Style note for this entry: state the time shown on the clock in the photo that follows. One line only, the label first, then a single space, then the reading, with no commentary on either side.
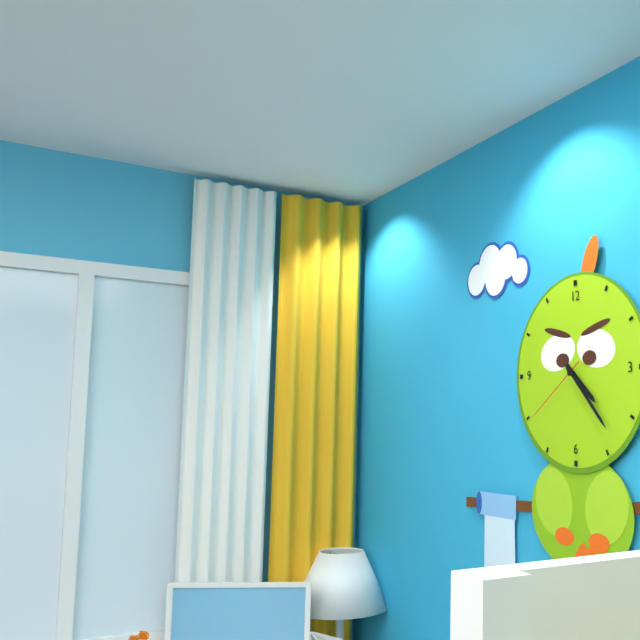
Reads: 4:23:39
